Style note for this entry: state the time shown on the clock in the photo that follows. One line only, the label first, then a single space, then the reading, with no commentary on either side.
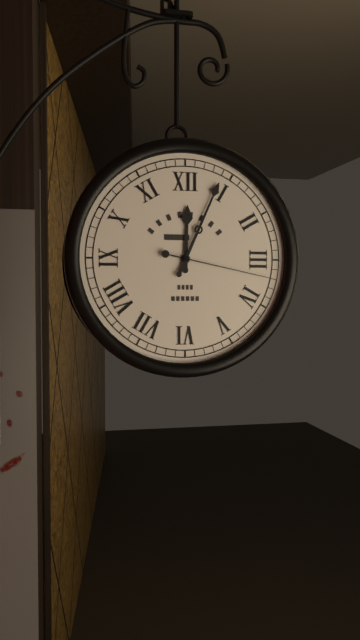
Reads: 12:04:17
